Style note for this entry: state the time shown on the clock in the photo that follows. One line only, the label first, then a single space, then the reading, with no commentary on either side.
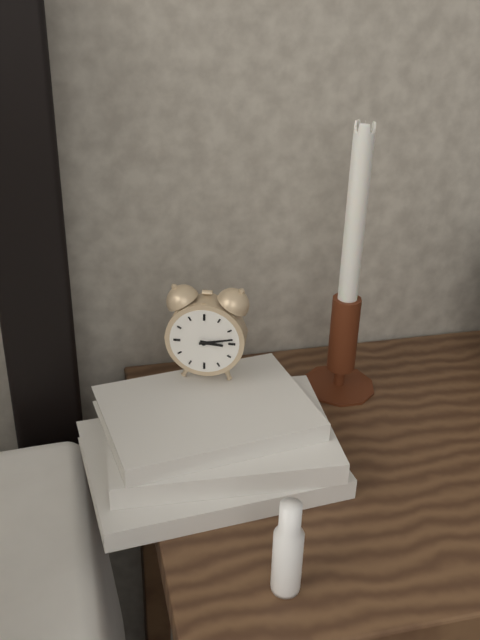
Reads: 3:13
